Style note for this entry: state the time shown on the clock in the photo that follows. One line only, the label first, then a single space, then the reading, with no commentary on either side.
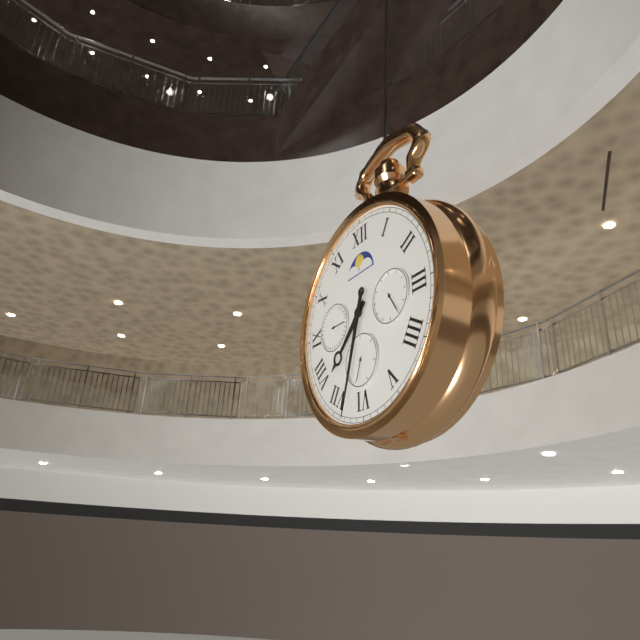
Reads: 7:33
